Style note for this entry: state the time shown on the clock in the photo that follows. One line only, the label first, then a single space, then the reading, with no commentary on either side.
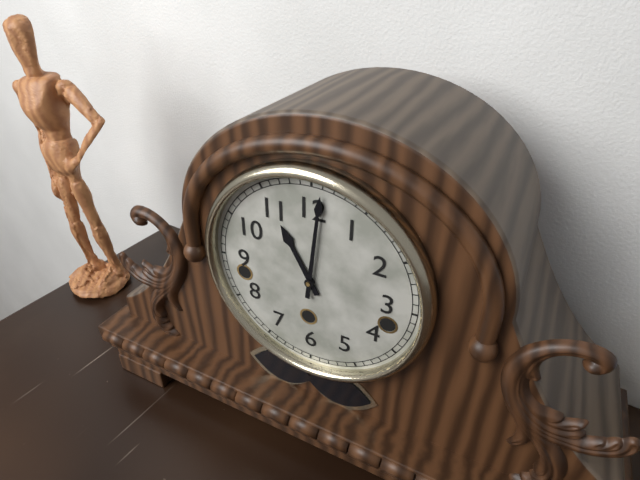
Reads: 11:01
